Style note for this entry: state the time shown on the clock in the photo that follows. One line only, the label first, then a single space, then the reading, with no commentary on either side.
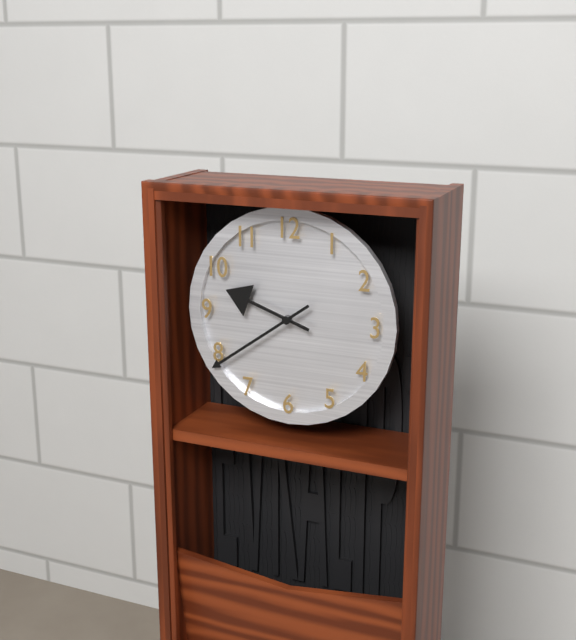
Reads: 9:39
